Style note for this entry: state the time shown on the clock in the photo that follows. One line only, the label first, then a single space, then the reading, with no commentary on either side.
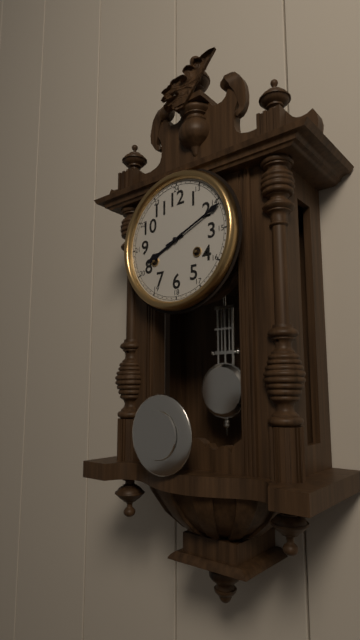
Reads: 8:11
